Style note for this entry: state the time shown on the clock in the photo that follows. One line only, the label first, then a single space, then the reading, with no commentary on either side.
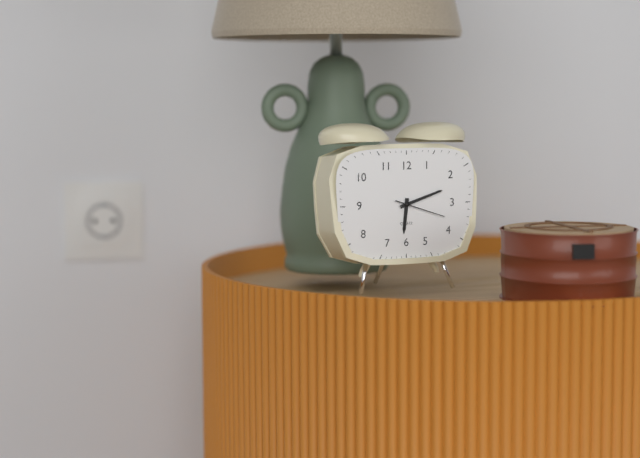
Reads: 6:12
